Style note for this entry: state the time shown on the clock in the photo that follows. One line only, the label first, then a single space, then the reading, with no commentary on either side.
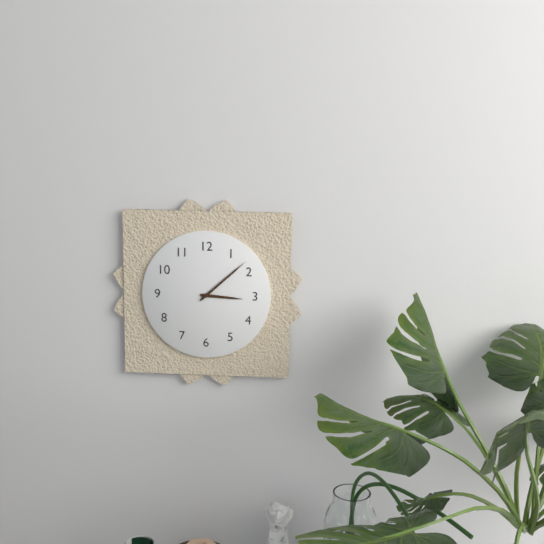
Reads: 3:08
